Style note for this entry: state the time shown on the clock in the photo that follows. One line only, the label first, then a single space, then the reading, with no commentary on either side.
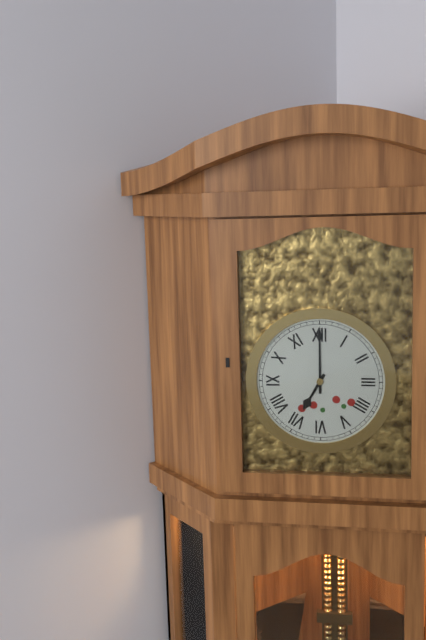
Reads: 7:00
